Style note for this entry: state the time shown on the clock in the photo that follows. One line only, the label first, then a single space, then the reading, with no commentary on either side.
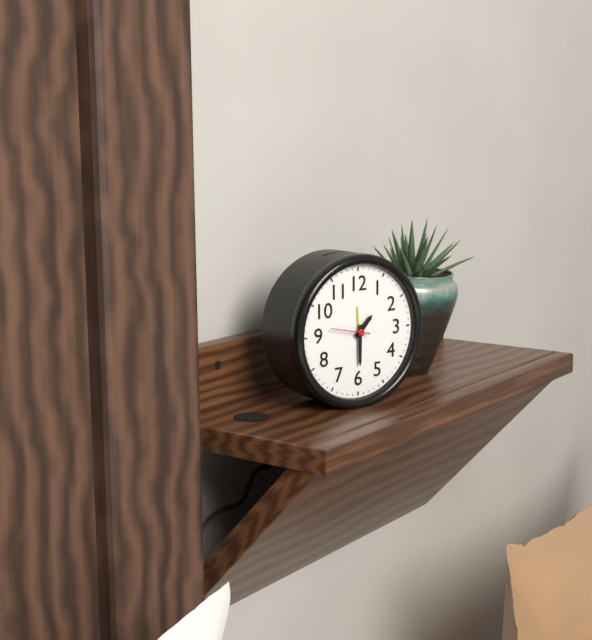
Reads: 1:30
